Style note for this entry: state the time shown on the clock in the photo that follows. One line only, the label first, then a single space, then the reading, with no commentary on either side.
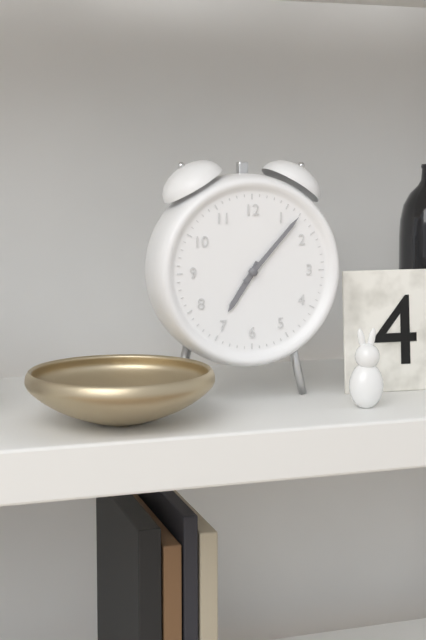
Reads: 7:07
